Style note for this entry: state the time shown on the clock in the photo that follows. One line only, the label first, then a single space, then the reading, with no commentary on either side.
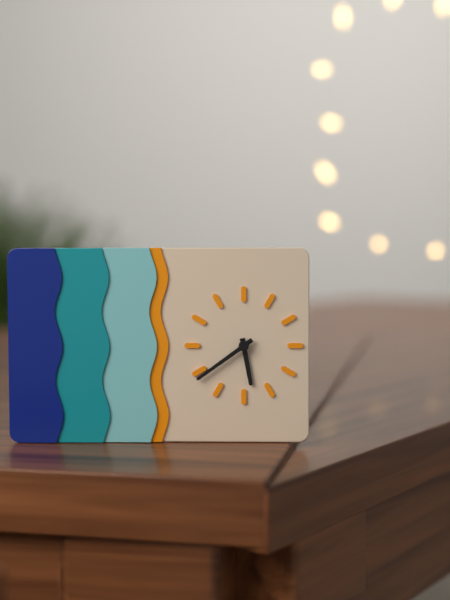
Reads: 5:39
